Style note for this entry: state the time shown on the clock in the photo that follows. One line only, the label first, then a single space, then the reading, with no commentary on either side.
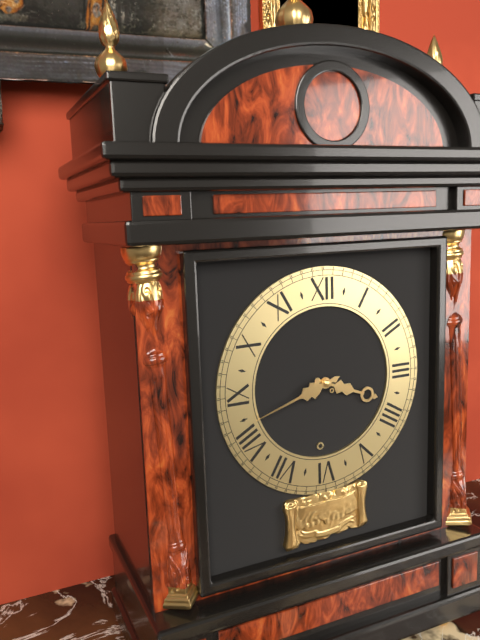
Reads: 3:42
